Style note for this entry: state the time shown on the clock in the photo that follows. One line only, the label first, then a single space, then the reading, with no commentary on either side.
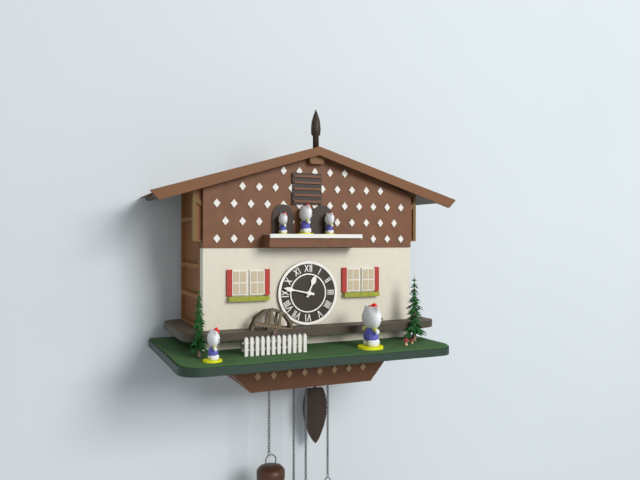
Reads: 12:47
